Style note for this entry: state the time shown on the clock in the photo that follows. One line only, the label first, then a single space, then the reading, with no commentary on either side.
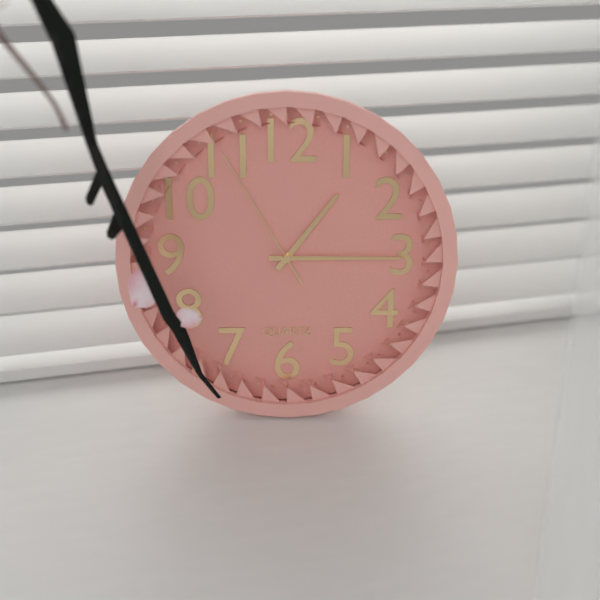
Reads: 1:15:55
